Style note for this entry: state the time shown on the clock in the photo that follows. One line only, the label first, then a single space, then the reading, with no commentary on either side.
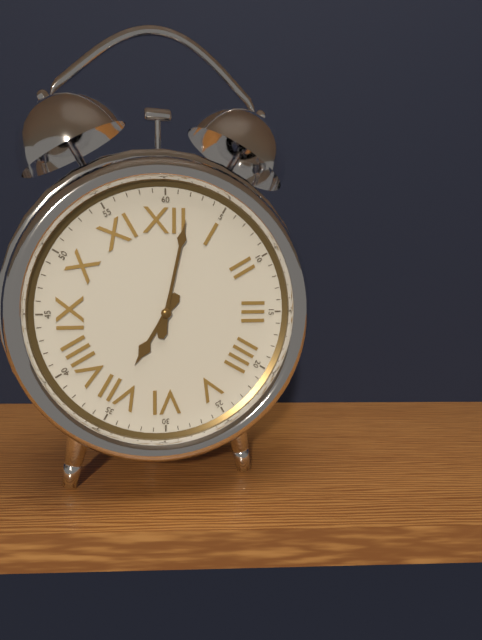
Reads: 7:02
